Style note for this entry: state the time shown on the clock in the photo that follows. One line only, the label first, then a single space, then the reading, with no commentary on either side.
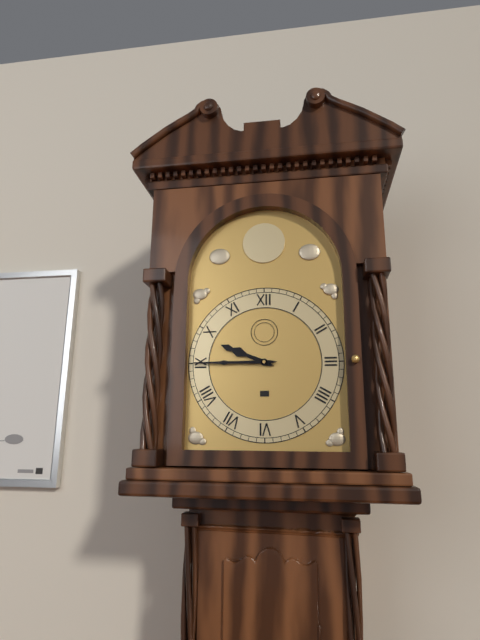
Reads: 9:45
